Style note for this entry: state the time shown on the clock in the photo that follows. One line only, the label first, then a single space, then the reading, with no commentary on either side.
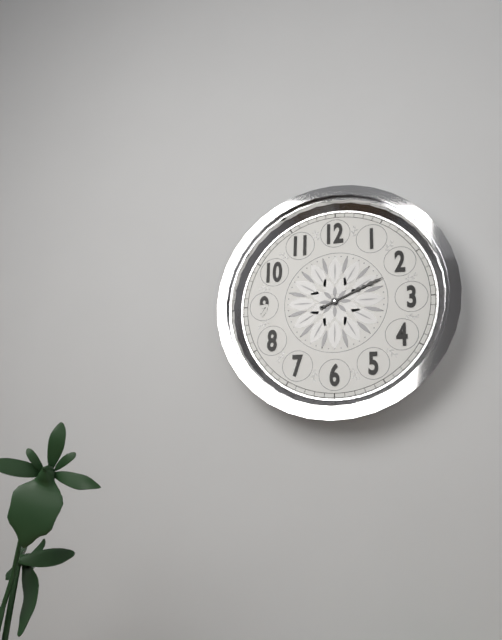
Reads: 2:11
